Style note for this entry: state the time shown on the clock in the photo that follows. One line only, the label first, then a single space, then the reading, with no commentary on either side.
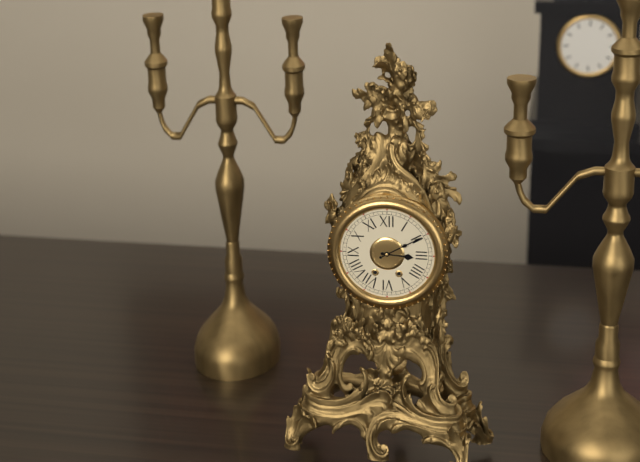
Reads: 3:10
